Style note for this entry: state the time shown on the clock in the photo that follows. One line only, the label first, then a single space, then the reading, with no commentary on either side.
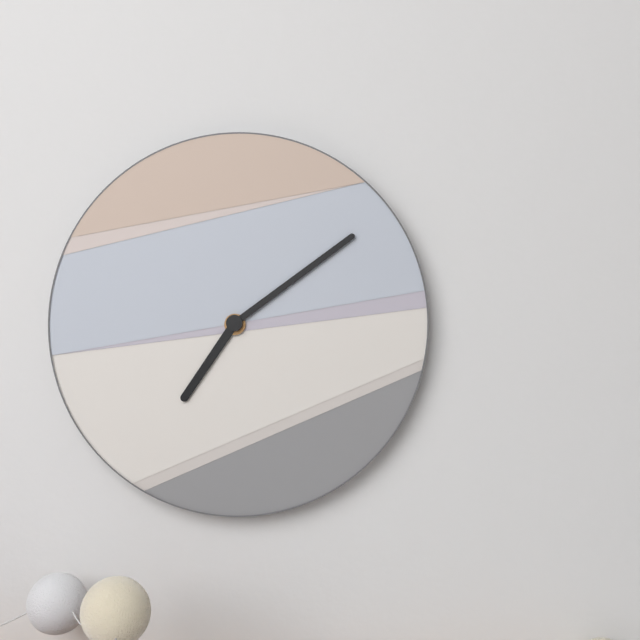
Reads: 7:09
